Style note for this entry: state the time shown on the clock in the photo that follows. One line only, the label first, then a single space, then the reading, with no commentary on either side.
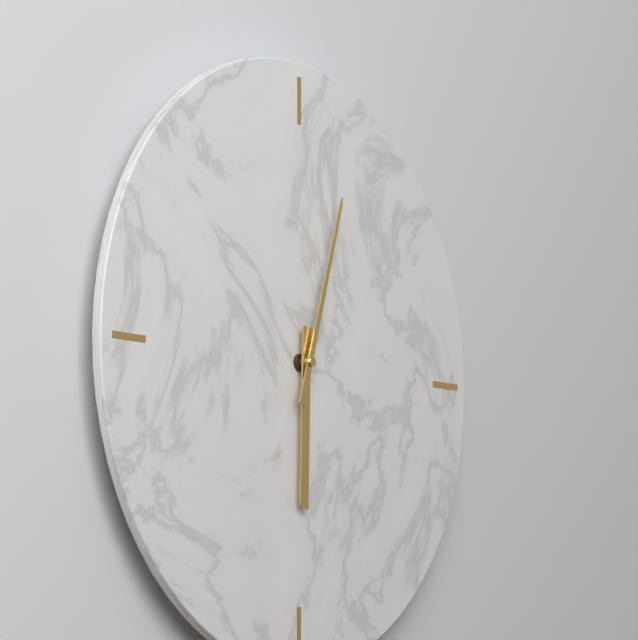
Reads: 6:03
